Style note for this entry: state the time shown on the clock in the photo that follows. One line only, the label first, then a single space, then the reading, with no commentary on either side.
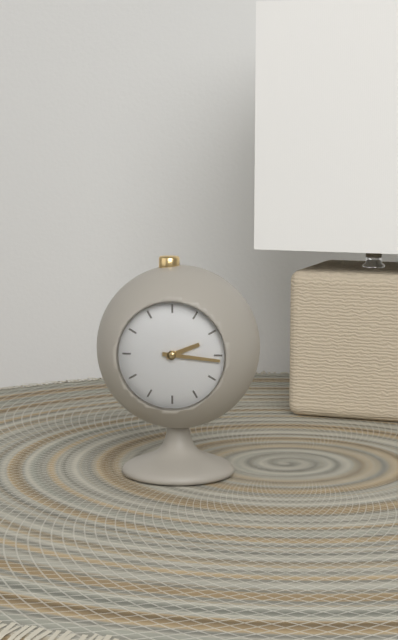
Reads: 2:16
